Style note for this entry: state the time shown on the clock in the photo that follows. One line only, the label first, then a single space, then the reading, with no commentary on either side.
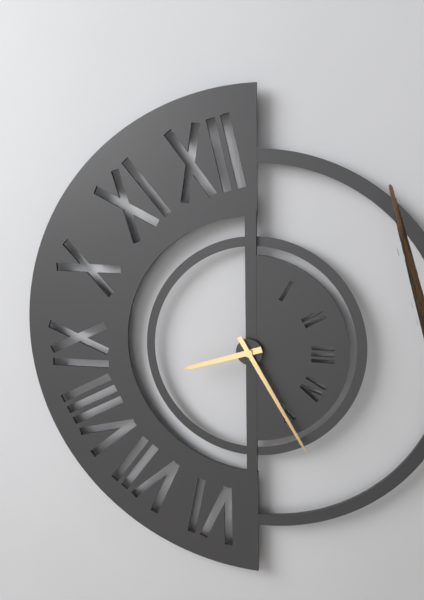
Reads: 8:25
